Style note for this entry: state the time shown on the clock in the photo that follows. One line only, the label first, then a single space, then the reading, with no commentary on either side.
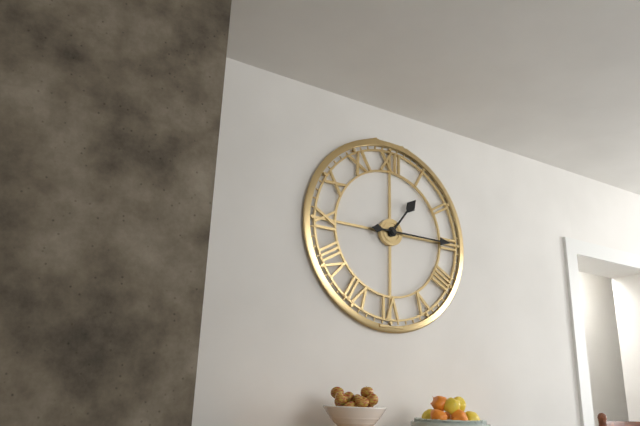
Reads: 1:15
